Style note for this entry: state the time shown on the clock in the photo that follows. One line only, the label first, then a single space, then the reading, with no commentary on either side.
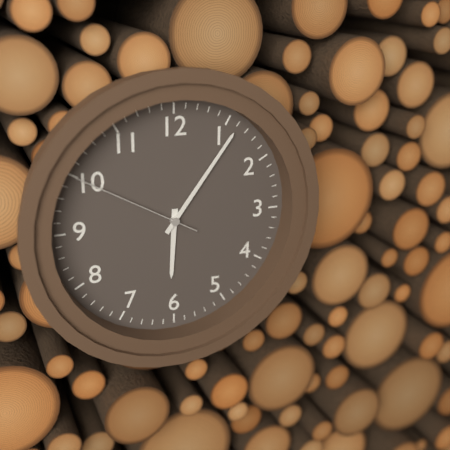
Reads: 6:06:50
